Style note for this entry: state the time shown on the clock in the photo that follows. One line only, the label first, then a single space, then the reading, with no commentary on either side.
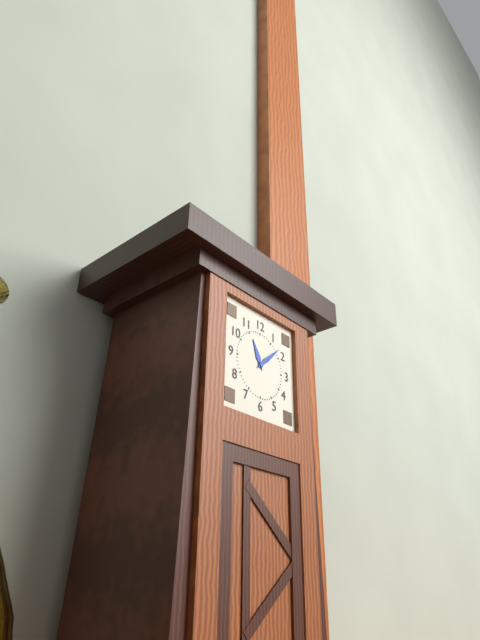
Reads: 11:08
